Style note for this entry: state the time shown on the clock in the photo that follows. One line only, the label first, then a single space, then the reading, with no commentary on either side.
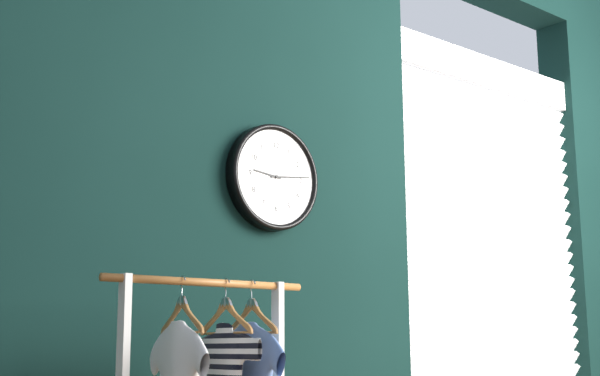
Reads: 9:14
